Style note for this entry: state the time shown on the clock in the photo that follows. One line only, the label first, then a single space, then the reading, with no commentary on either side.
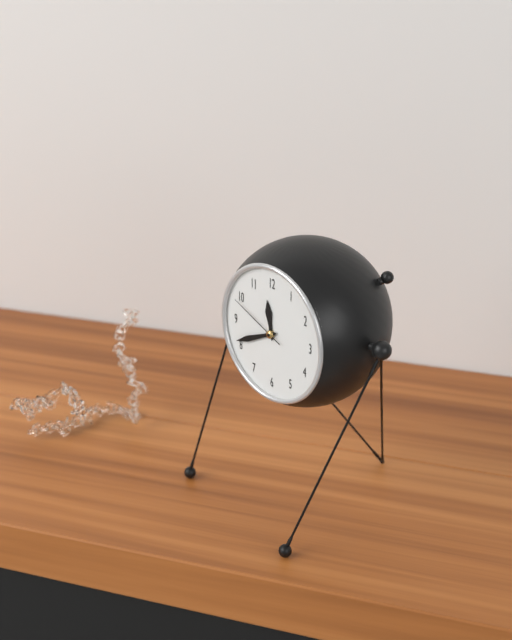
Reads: 11:41:49
